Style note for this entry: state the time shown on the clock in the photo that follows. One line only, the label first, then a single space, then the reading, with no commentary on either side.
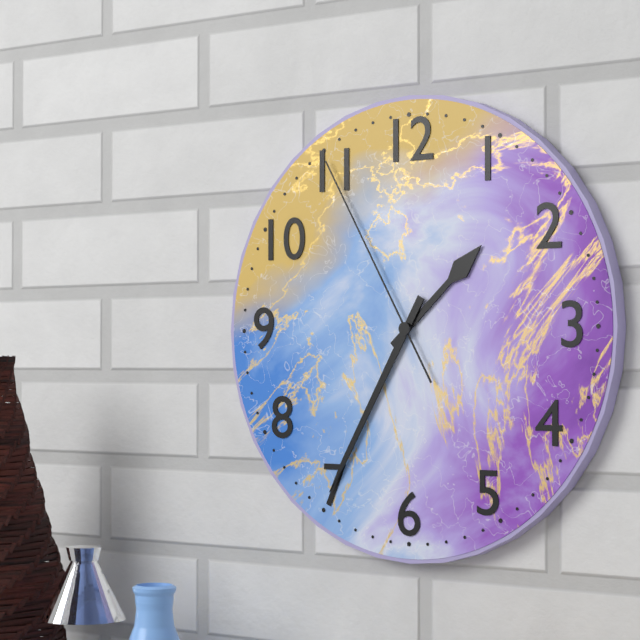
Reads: 1:35:55
